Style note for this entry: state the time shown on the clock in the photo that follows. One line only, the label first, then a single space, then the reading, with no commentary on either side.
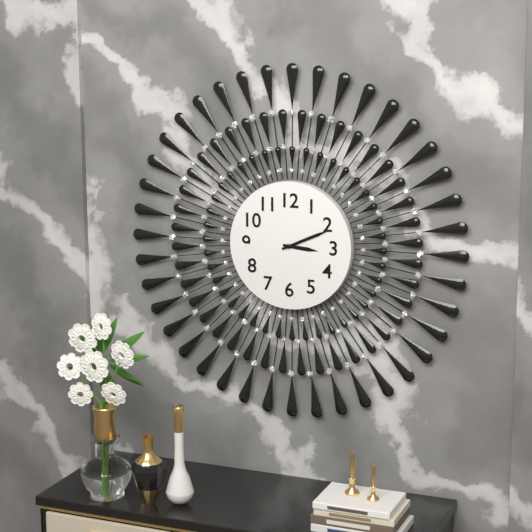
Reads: 3:11
